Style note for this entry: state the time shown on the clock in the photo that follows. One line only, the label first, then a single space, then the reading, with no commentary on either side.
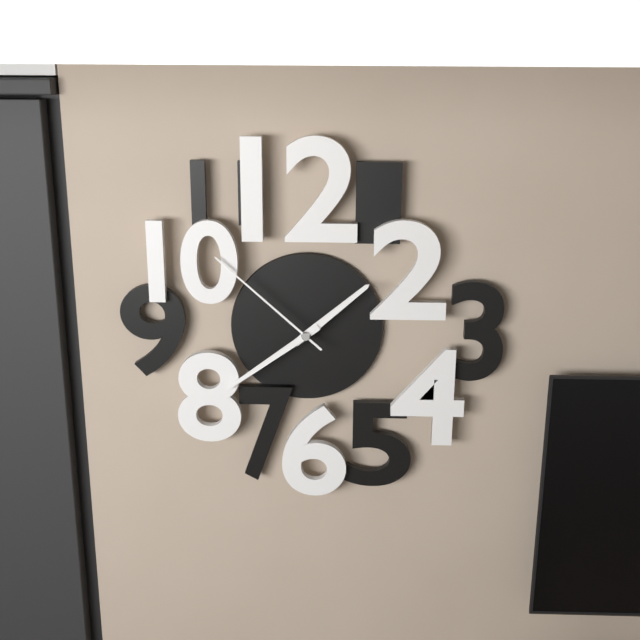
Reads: 1:39:52
